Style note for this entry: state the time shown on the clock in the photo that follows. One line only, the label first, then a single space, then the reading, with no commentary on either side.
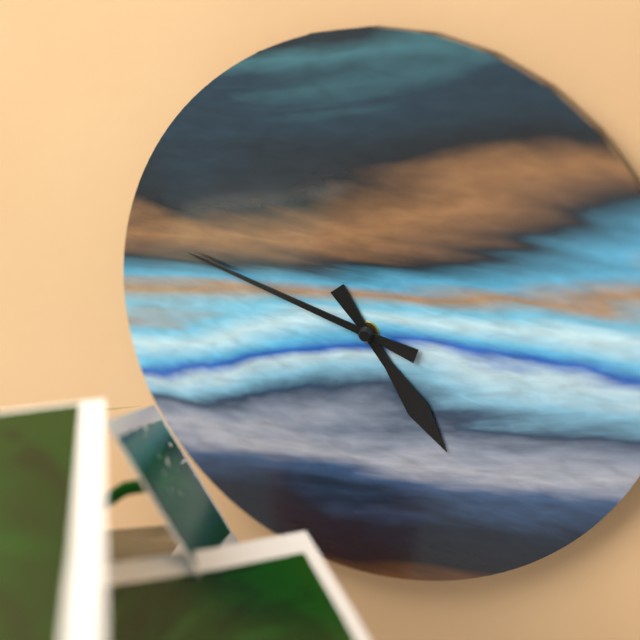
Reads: 4:48
